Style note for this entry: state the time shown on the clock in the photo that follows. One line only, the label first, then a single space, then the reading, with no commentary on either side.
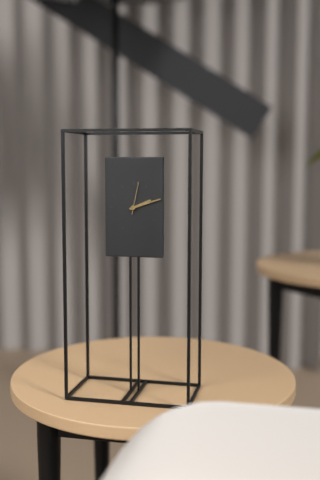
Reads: 2:12
